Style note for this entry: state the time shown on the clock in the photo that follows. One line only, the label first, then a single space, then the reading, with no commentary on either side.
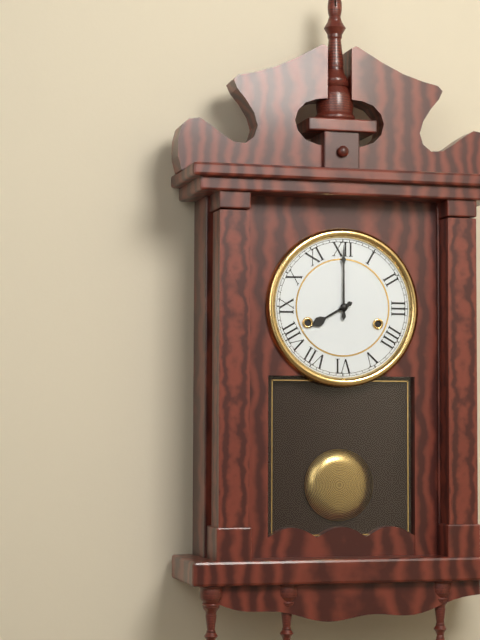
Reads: 8:00
